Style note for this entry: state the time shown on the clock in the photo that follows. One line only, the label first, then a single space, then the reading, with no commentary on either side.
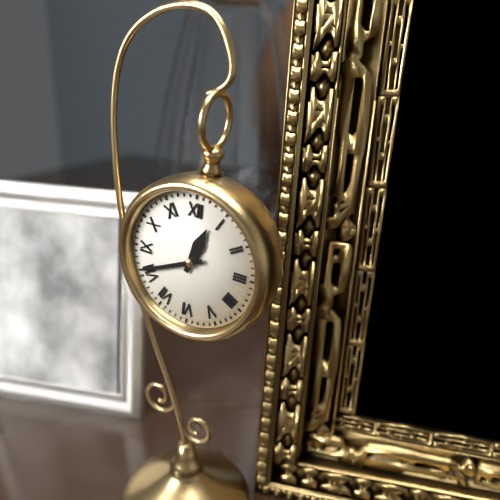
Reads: 12:41
